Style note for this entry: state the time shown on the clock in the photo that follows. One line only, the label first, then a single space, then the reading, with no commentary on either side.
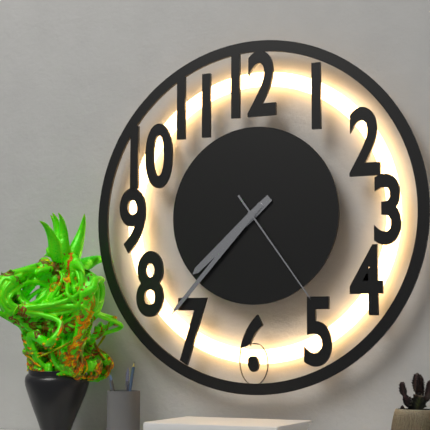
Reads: 7:37:24
